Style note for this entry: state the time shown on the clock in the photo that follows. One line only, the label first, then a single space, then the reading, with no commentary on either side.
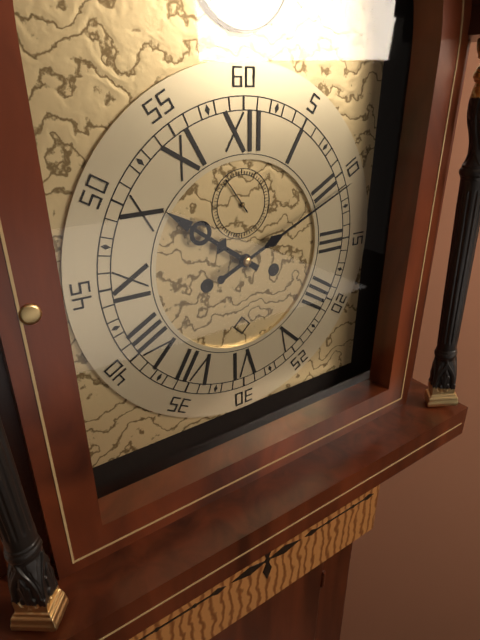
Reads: 10:11
